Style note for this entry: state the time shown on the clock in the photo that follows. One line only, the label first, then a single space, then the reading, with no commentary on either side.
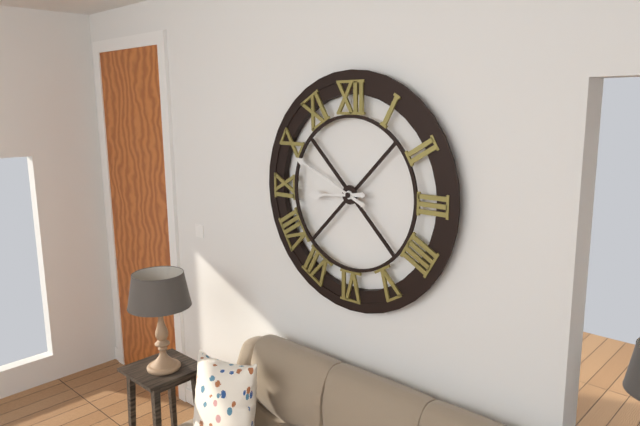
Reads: 8:49
